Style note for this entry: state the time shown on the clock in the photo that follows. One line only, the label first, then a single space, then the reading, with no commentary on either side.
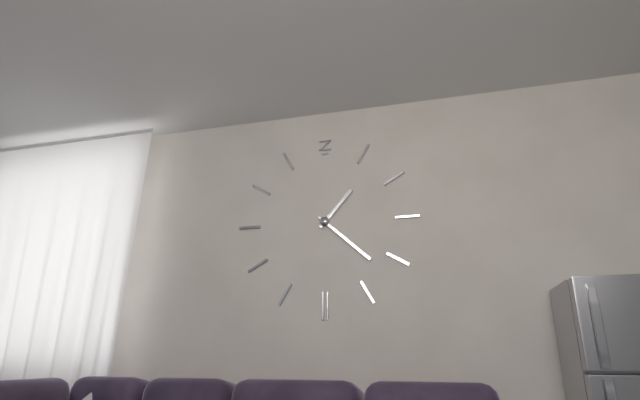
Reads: 1:22
